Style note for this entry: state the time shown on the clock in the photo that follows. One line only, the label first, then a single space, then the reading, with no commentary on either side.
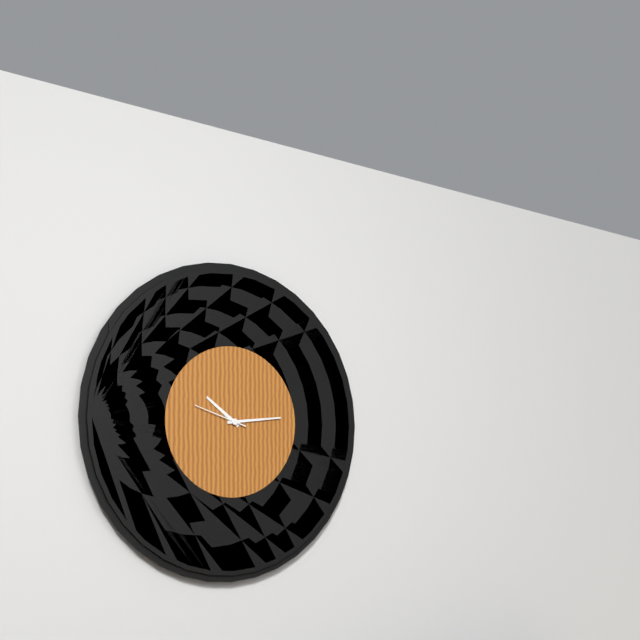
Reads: 10:14:48
